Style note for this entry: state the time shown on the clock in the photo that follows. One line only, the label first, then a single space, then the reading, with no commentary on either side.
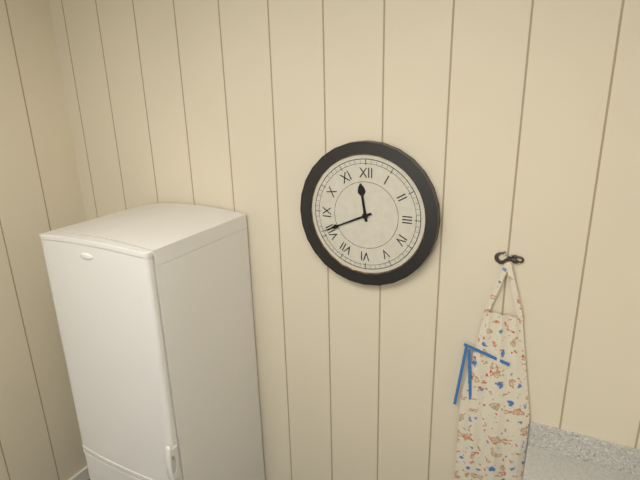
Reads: 11:41
